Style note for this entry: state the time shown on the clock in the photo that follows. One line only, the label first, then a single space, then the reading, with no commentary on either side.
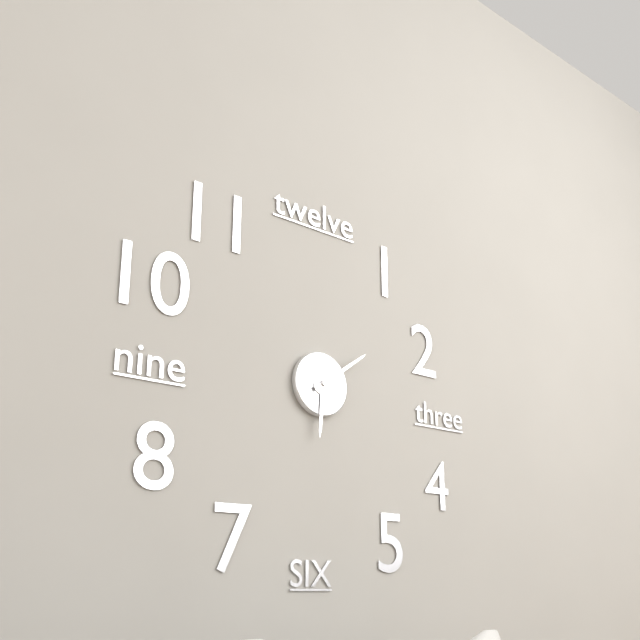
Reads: 6:09
